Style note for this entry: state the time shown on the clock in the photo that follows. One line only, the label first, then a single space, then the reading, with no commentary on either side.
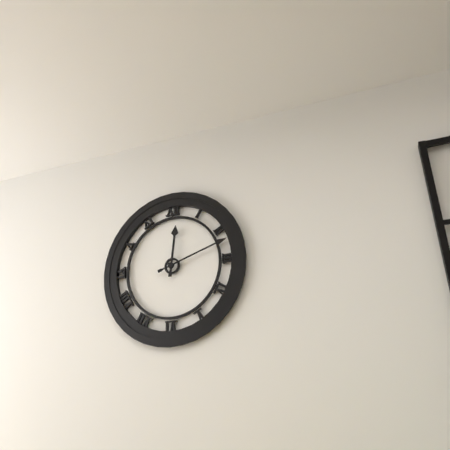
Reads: 12:12
